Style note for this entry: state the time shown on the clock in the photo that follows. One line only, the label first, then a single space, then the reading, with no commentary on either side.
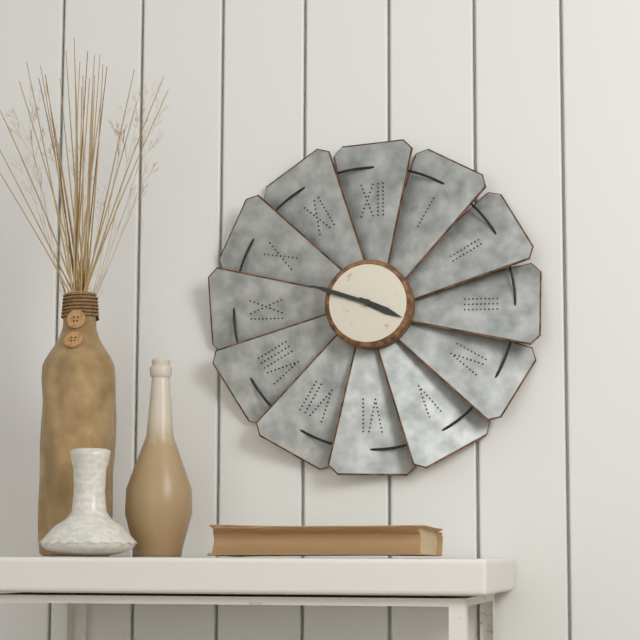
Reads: 3:48
